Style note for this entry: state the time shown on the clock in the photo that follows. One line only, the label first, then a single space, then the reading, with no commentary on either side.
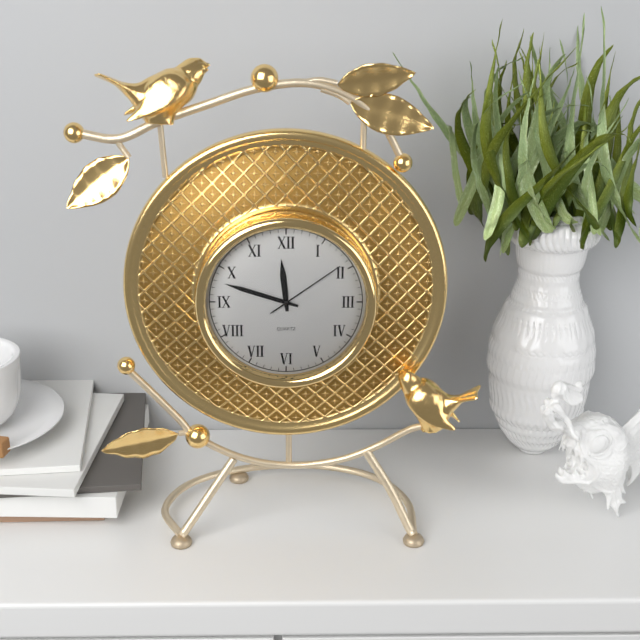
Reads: 11:48:09
